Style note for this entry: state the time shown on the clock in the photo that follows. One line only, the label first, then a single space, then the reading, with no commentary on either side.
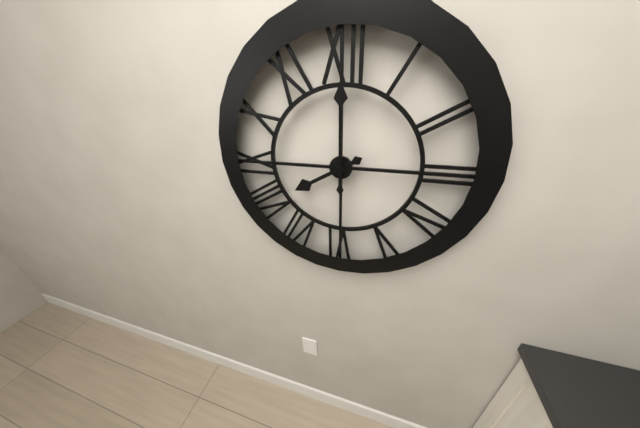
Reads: 8:00
